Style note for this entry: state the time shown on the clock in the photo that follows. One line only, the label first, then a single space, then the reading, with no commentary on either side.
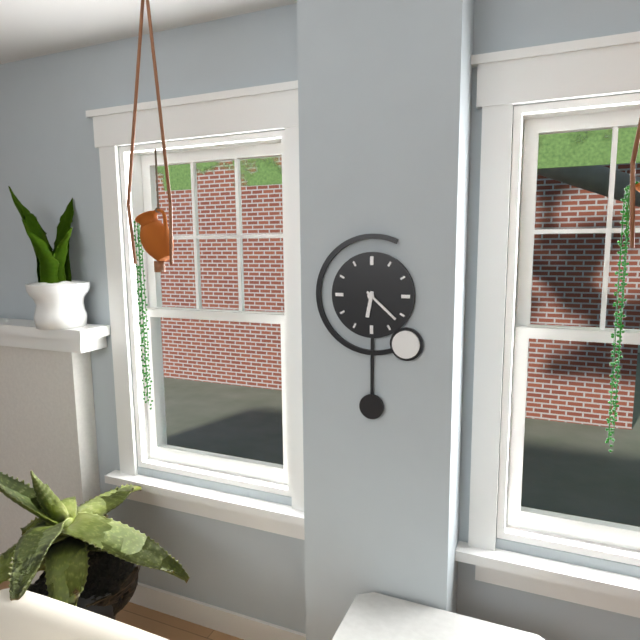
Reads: 6:22
